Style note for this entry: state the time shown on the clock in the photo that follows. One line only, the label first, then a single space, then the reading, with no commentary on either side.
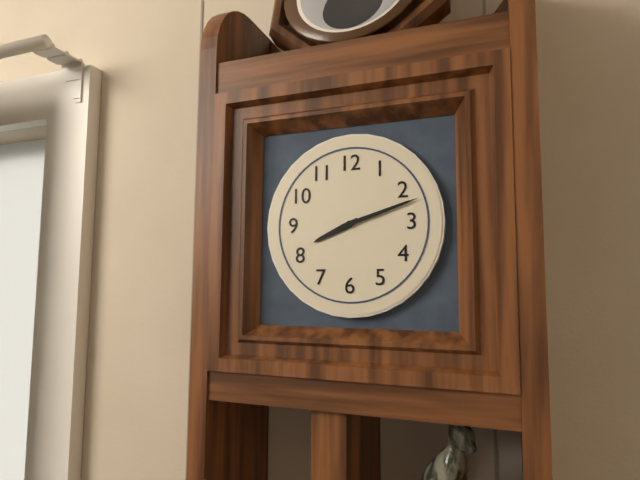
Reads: 8:12
